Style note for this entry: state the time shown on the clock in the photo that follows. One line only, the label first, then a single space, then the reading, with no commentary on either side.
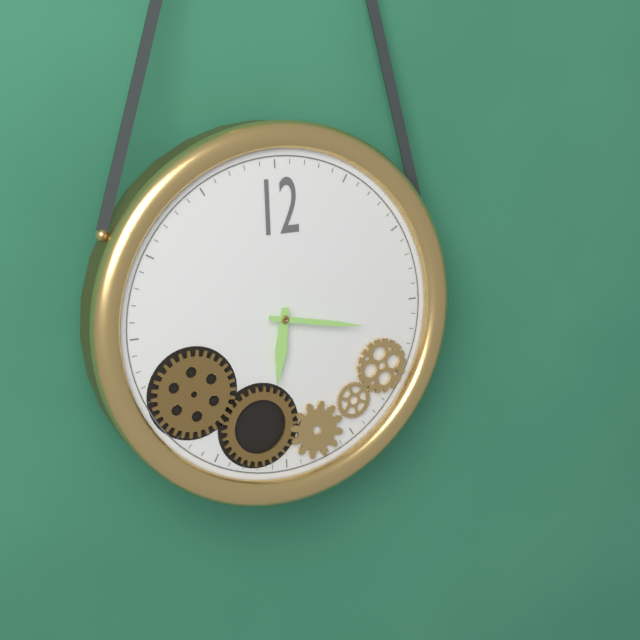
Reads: 6:17
